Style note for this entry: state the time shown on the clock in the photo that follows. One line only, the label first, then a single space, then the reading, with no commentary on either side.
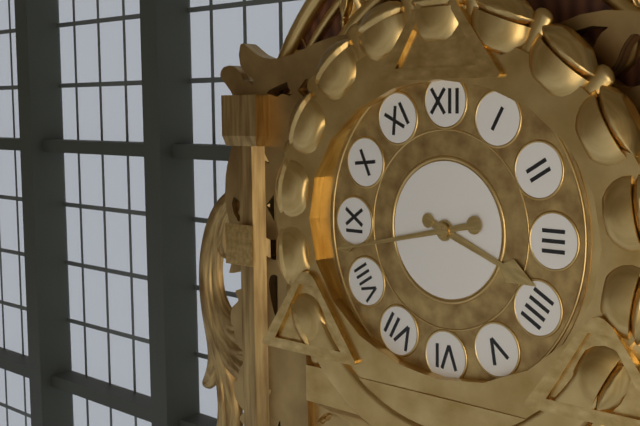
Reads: 3:43
